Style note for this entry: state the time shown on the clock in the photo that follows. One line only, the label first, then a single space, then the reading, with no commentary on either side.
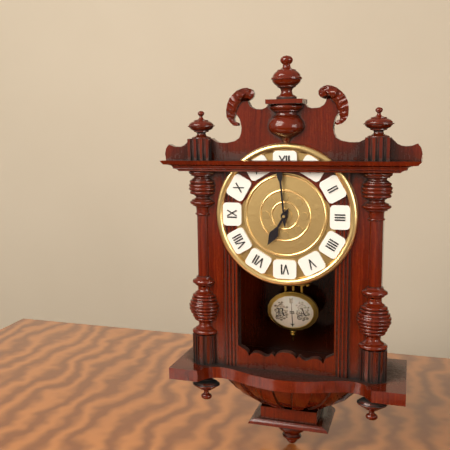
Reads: 6:59
